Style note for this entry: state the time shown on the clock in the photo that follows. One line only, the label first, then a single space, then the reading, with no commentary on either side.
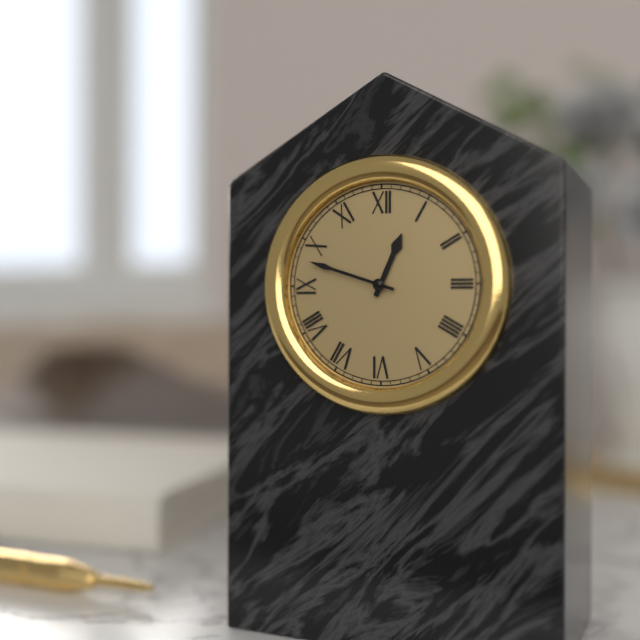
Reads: 12:48
